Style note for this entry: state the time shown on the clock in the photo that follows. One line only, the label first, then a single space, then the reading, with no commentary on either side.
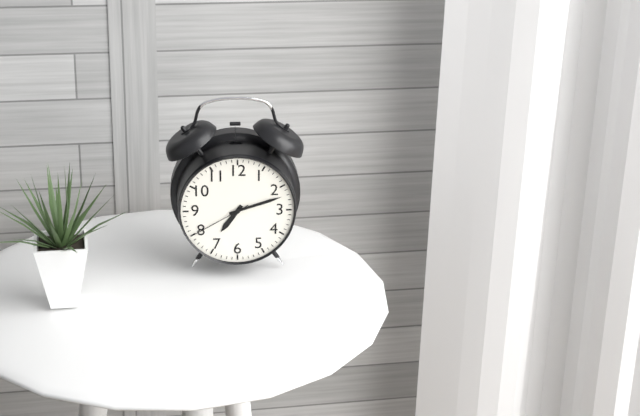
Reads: 7:12:40
